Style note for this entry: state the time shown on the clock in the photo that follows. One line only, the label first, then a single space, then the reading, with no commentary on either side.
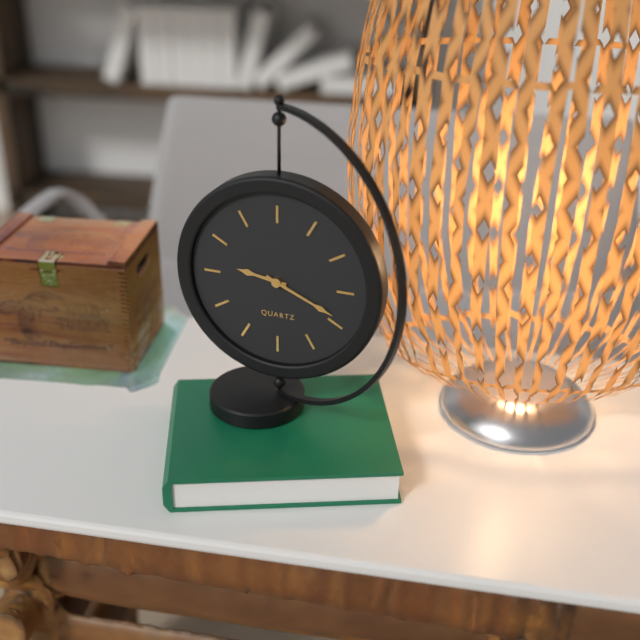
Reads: 9:19
